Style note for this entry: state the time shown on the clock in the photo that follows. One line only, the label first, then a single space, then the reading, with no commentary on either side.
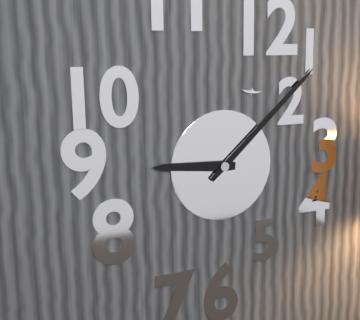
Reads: 9:08
